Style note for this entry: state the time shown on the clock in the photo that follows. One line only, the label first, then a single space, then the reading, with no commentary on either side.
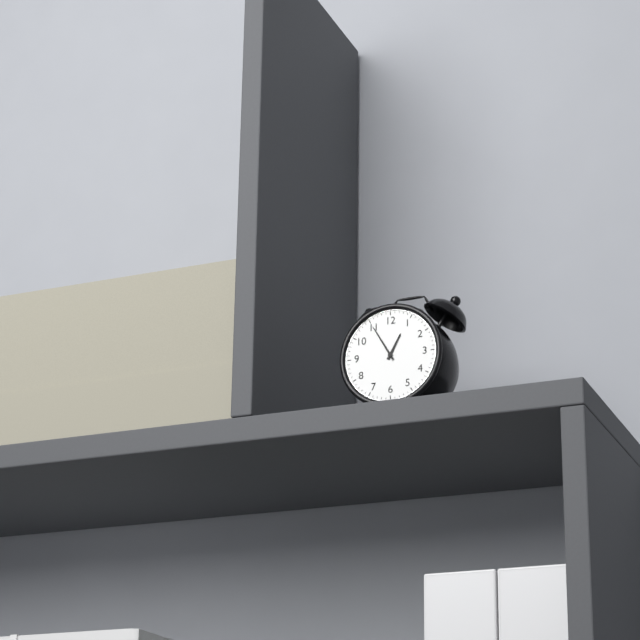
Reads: 12:55
